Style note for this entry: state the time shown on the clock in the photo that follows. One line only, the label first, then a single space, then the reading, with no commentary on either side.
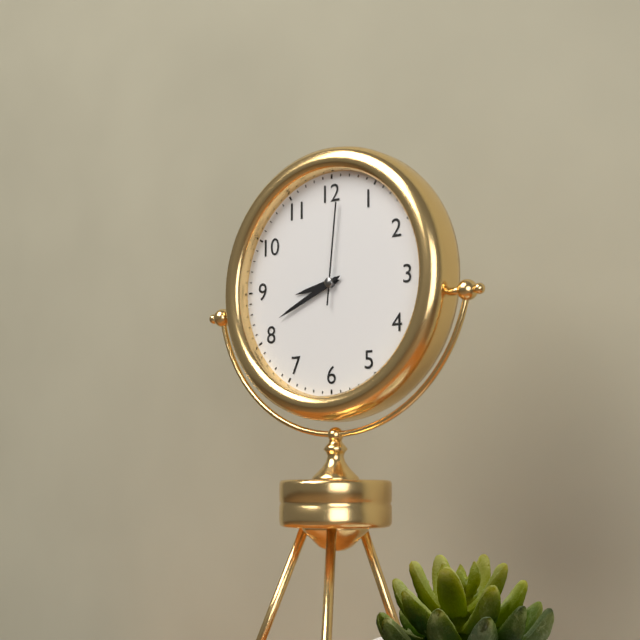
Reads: 8:41:01
